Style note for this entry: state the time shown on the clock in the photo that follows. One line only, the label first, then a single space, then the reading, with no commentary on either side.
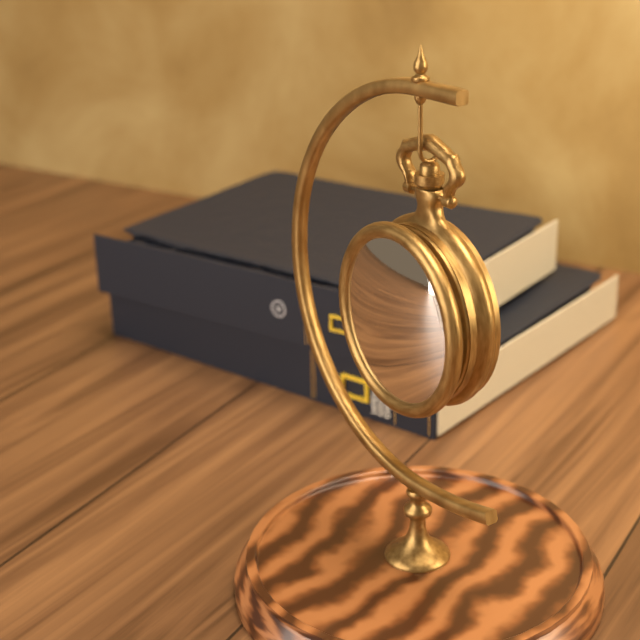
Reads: 10:07:59
